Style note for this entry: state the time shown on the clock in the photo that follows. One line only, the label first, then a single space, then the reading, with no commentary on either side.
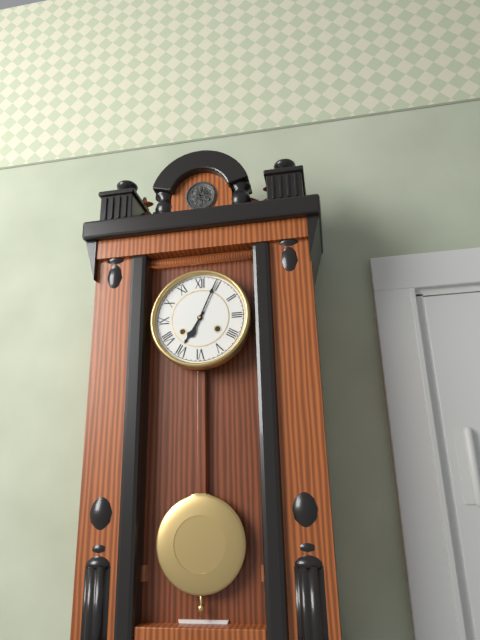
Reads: 7:04
